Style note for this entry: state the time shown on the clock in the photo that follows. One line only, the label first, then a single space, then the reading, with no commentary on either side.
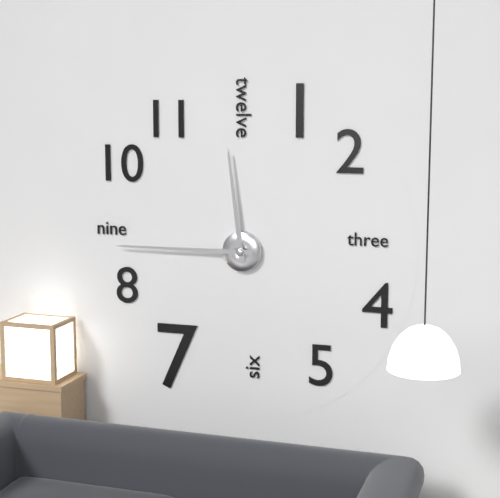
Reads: 11:45
